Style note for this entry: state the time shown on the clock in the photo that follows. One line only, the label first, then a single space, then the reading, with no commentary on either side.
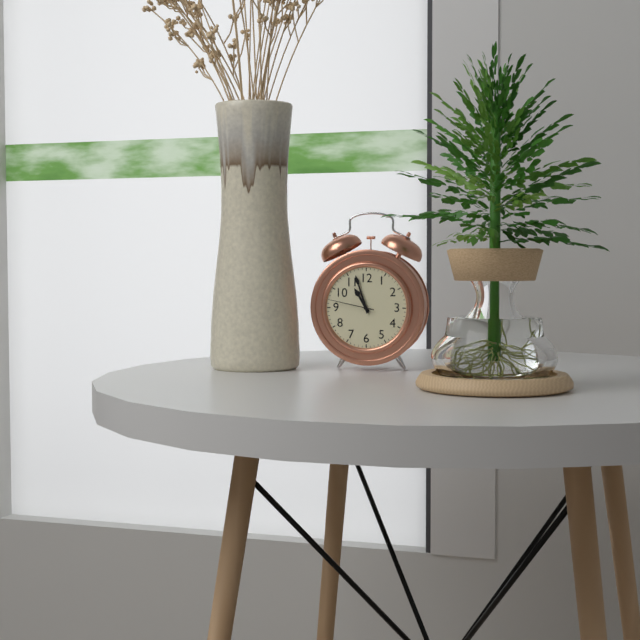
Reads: 10:57
